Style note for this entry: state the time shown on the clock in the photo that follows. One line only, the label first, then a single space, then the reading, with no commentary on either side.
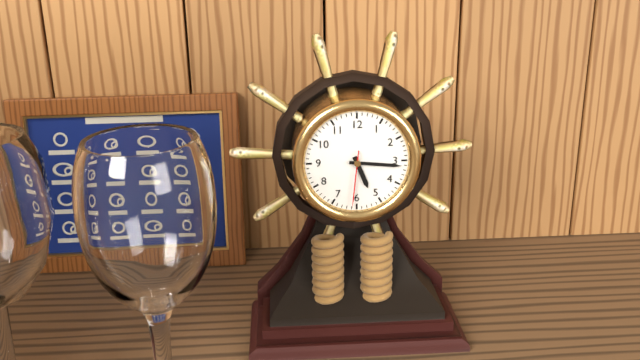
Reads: 5:16:31
